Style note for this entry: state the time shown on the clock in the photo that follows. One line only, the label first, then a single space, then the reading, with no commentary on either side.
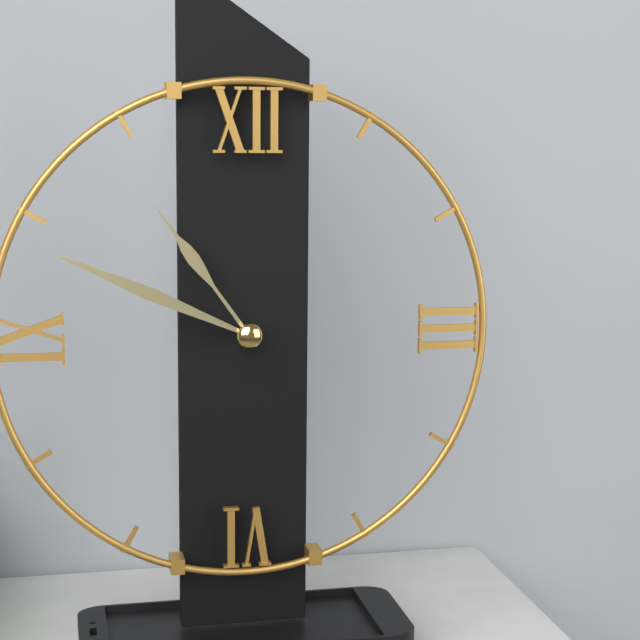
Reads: 10:49
